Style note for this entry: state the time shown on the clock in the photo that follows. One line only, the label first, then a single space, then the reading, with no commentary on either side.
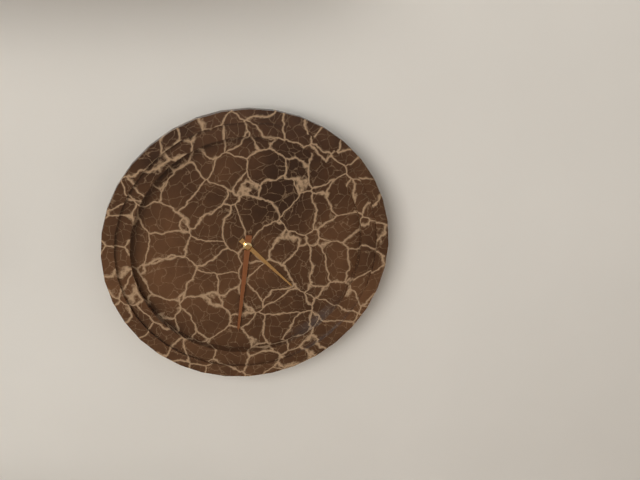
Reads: 4:31
